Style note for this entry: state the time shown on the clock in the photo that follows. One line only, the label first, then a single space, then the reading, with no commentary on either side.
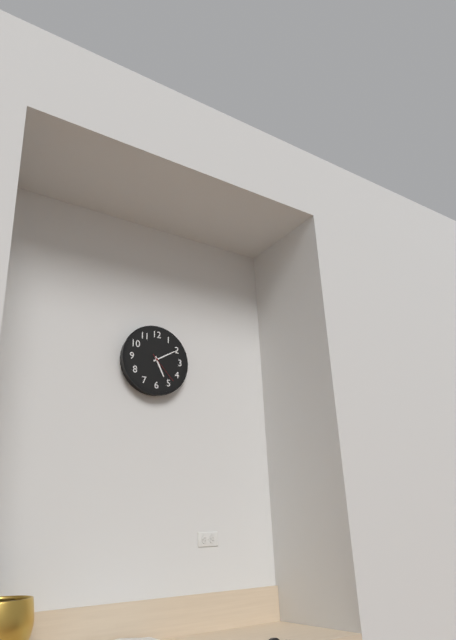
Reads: 5:10
